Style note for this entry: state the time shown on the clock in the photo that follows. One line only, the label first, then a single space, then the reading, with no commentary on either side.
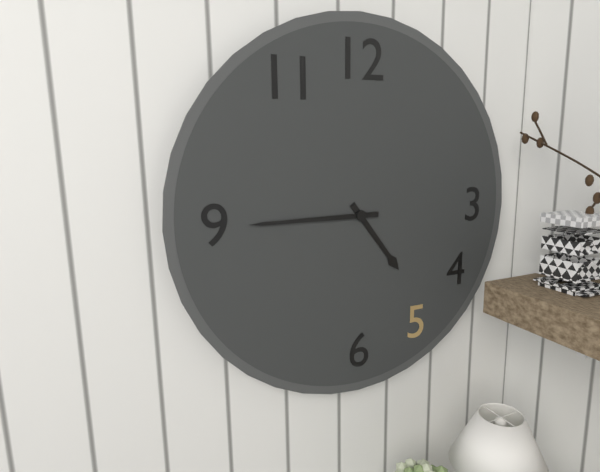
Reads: 4:45
